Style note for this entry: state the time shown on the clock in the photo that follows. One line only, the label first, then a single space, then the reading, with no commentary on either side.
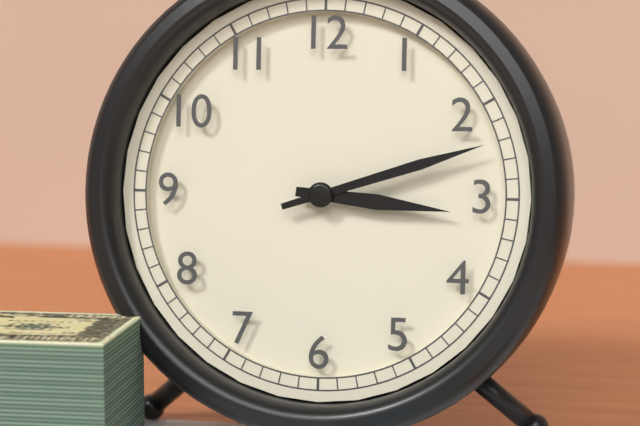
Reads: 3:12
